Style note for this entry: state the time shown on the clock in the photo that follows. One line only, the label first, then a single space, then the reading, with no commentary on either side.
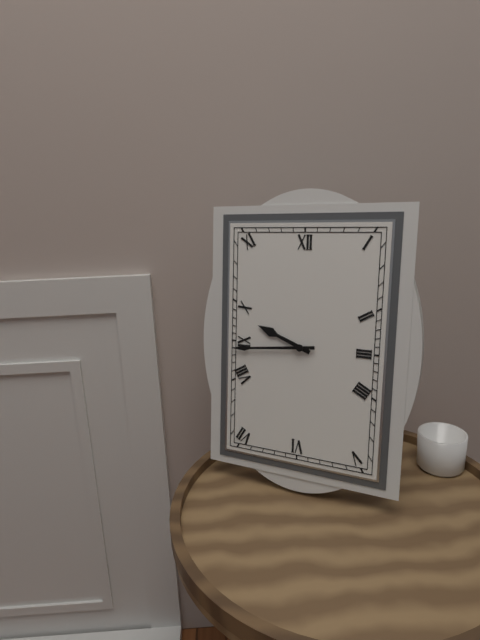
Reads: 9:44
